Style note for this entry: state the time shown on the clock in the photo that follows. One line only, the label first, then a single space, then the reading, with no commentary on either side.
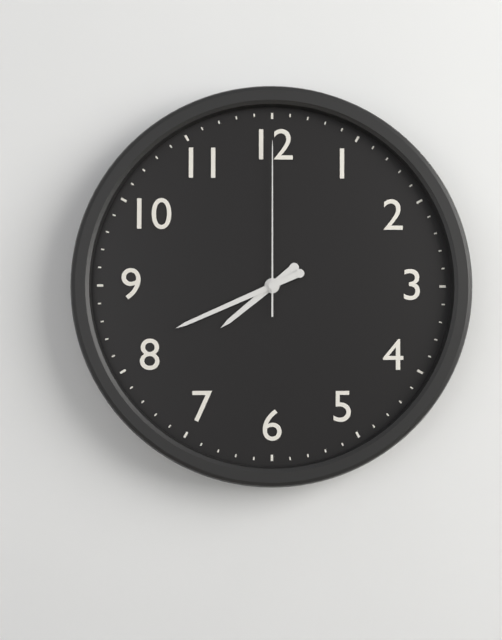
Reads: 7:41:00
